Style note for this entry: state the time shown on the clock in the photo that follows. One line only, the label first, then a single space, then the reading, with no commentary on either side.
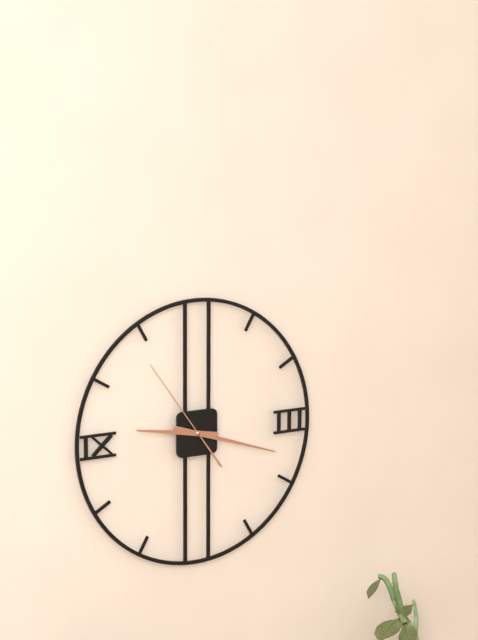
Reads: 9:18:54
